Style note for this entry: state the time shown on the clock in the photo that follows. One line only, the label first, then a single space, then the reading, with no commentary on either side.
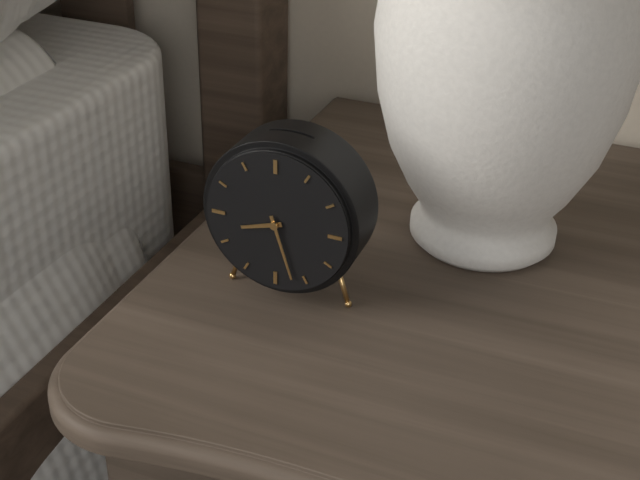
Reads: 8:27
